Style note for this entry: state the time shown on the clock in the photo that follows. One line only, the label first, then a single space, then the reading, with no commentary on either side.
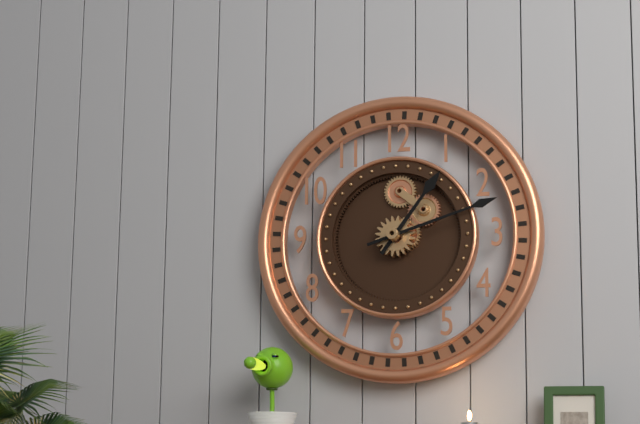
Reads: 1:12
